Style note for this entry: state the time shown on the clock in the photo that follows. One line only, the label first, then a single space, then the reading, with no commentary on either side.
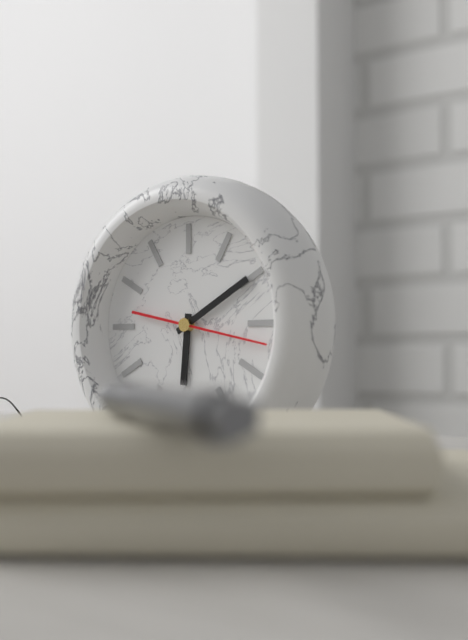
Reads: 6:10:17
